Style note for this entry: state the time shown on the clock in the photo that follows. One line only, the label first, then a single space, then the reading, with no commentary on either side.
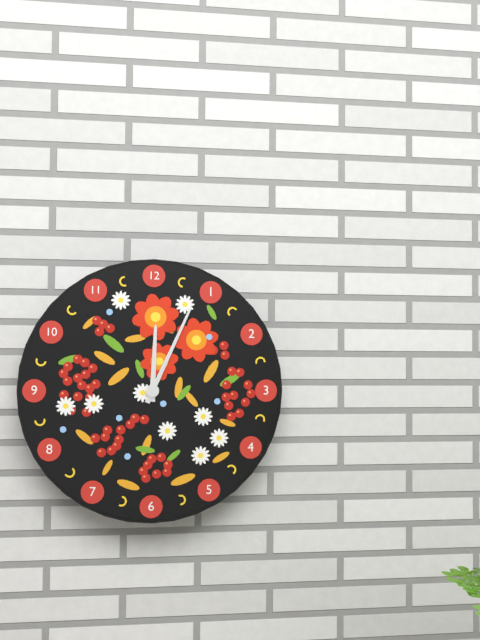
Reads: 12:04
